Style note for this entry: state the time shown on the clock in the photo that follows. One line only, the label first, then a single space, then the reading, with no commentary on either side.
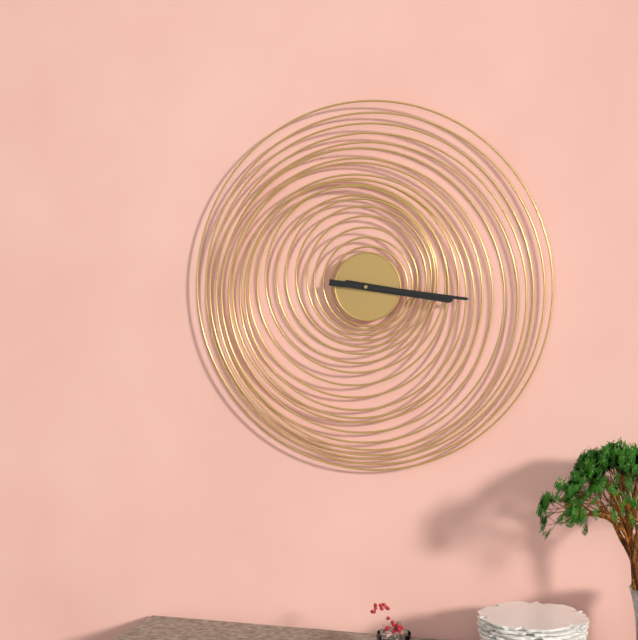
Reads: 3:16
